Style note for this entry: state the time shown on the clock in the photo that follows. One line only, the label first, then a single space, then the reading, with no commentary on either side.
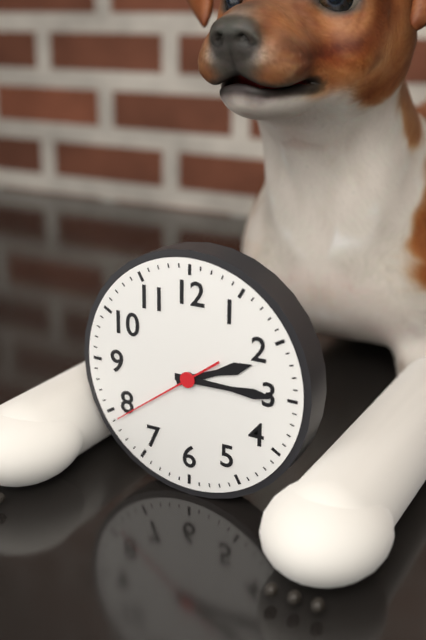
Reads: 2:15:39
